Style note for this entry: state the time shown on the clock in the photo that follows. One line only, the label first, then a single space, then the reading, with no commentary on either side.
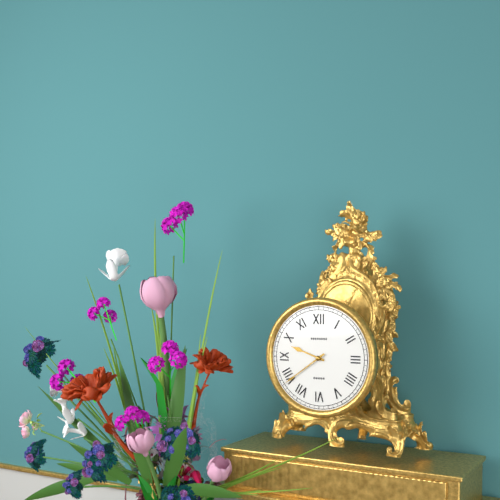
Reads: 9:39
